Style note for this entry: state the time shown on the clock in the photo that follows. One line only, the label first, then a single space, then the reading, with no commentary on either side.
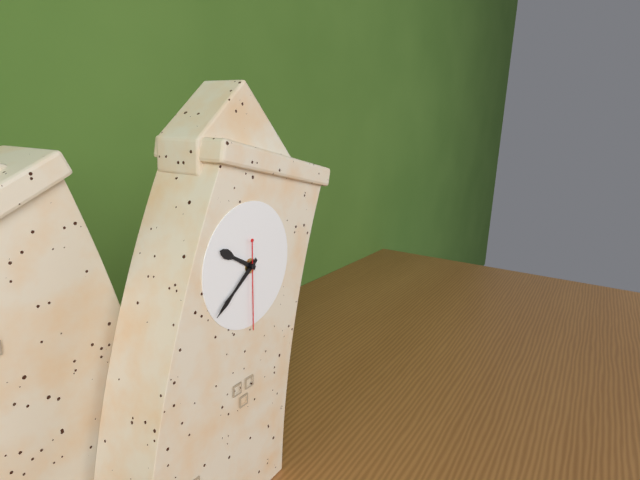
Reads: 9:37:28
